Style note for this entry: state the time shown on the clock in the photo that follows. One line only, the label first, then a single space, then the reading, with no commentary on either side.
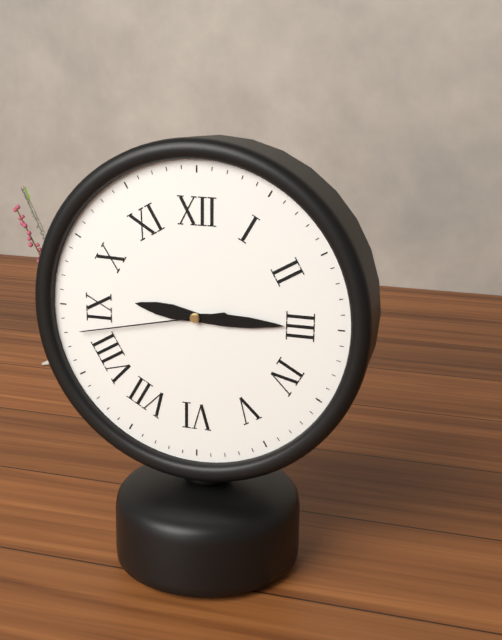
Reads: 9:15:43
